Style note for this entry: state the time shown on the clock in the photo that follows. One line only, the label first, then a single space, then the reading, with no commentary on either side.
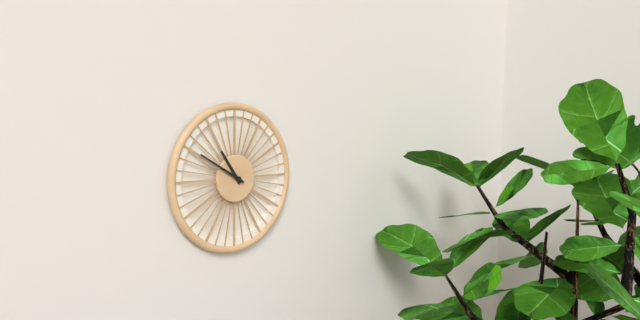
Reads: 10:50
